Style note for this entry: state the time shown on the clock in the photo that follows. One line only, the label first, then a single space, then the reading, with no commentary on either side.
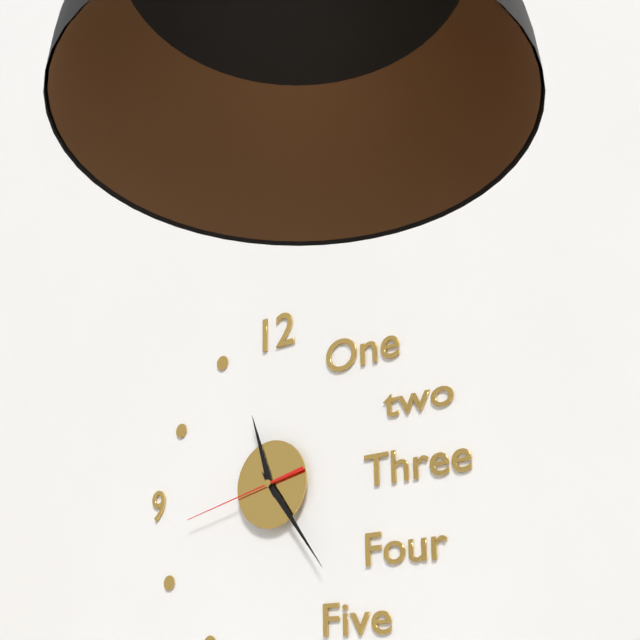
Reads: 11:24:43
